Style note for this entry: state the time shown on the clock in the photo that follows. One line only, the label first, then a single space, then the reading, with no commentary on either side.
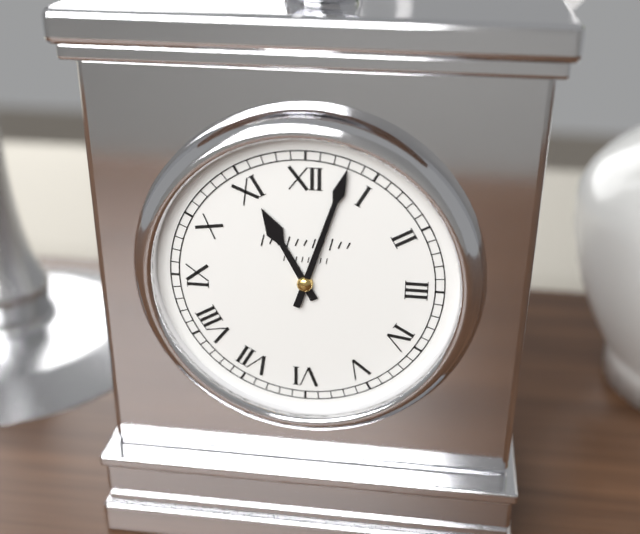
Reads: 11:03
